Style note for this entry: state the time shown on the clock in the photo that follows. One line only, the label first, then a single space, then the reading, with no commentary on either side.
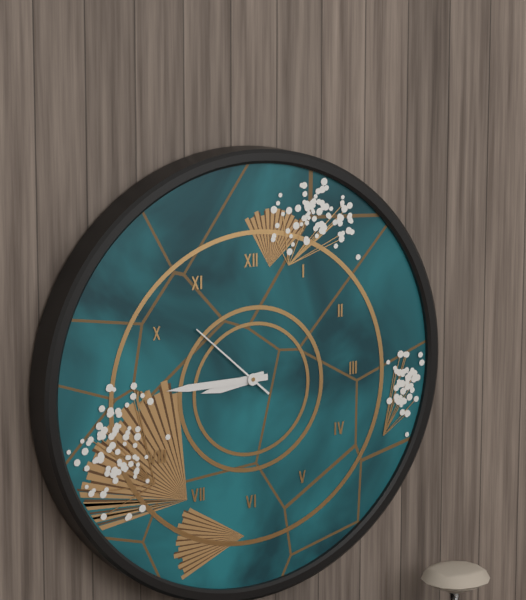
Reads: 8:45:52
